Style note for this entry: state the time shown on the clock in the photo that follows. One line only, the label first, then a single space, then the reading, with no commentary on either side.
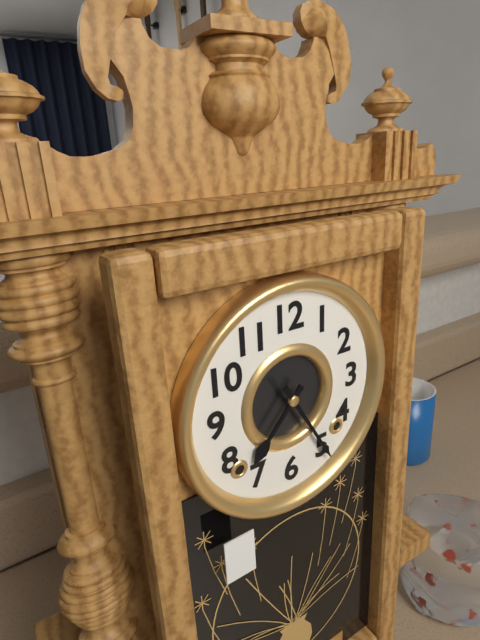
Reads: 7:25
